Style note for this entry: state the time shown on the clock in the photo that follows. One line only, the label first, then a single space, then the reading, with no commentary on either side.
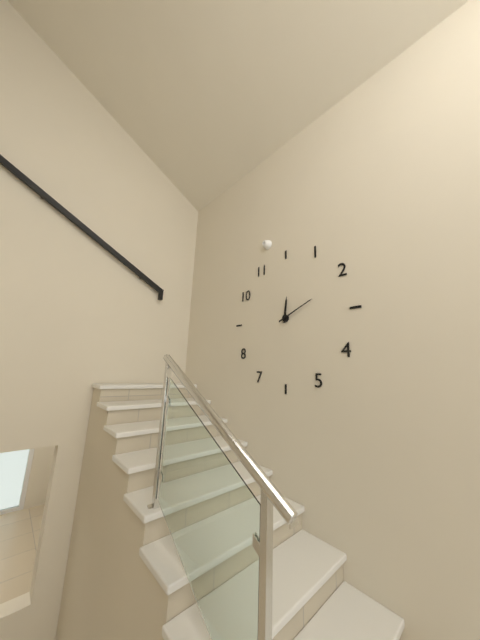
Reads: 12:11
